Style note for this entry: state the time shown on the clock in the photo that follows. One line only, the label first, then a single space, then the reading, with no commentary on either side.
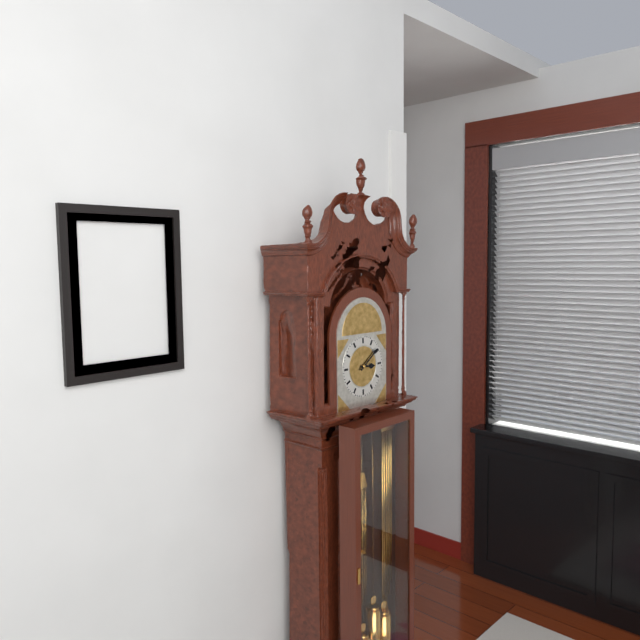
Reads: 3:09
